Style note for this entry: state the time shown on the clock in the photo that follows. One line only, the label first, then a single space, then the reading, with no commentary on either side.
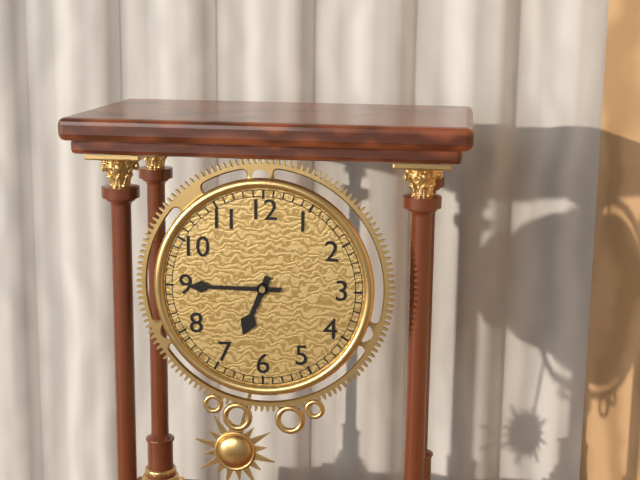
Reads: 6:45
